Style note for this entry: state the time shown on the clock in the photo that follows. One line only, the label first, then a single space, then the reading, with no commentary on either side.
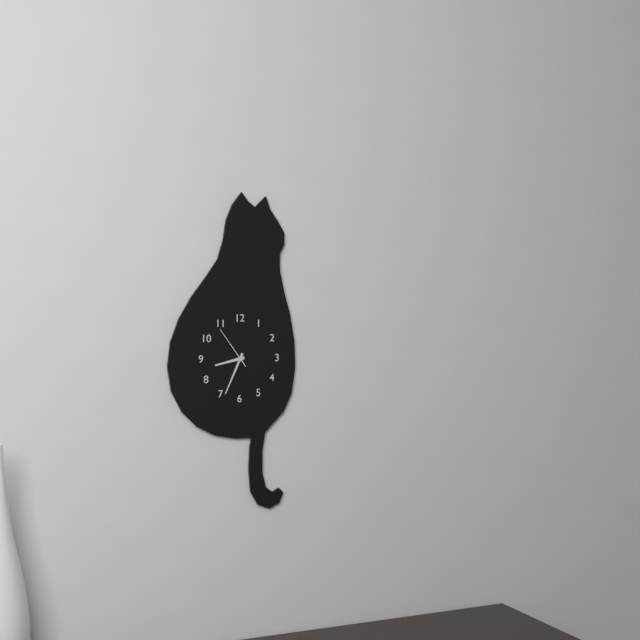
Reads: 8:34
